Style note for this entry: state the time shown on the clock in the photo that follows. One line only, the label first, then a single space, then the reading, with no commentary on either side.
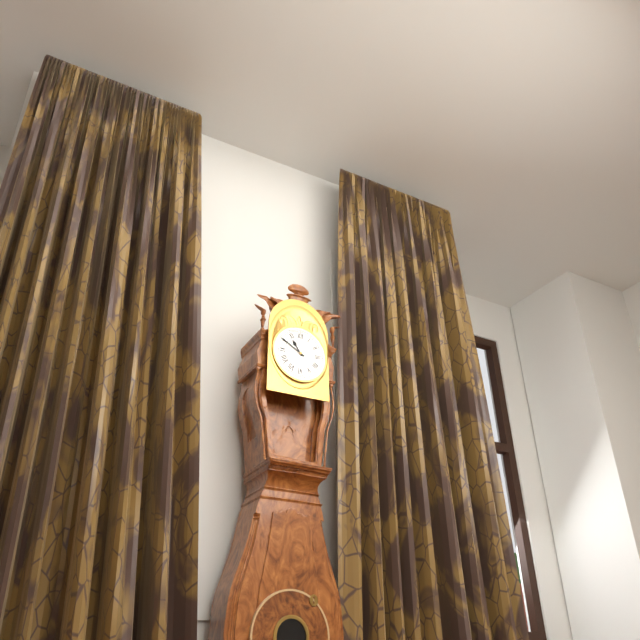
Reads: 10:50
